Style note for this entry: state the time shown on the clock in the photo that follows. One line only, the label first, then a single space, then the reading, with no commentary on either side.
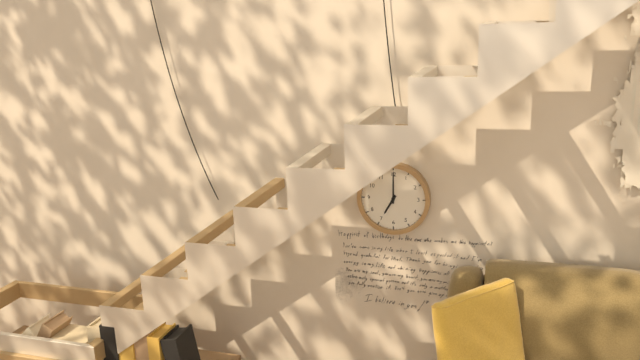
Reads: 7:00
